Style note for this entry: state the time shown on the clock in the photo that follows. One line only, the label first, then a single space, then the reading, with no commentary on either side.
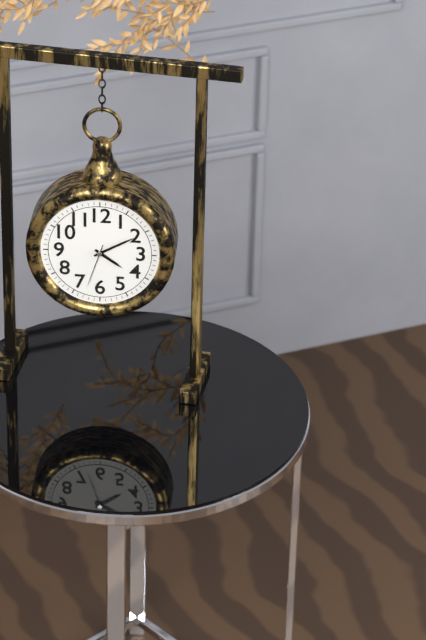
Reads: 4:10
